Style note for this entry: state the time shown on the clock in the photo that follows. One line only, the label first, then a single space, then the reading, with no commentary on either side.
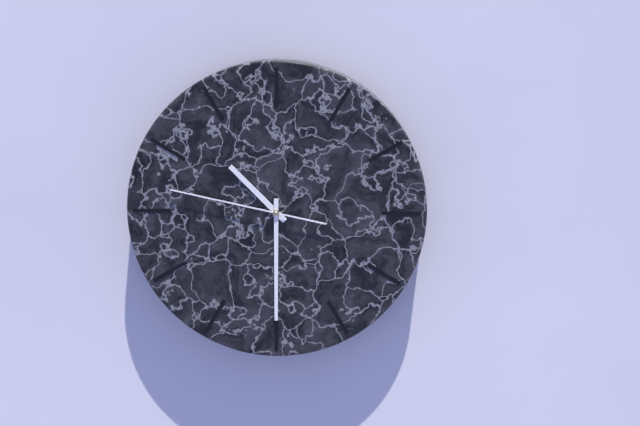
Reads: 10:30:47
